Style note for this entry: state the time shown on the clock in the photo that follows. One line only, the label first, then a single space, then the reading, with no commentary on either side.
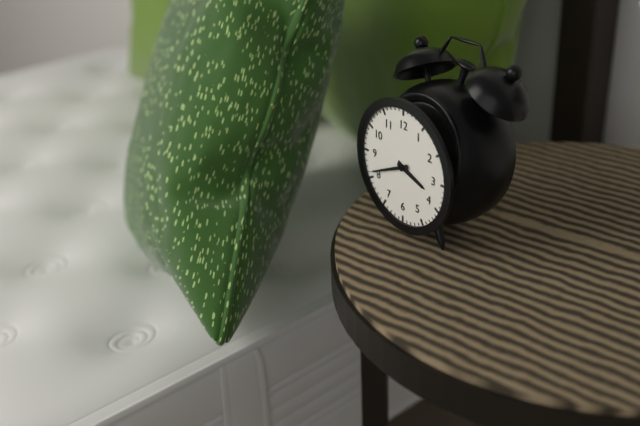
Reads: 3:41
